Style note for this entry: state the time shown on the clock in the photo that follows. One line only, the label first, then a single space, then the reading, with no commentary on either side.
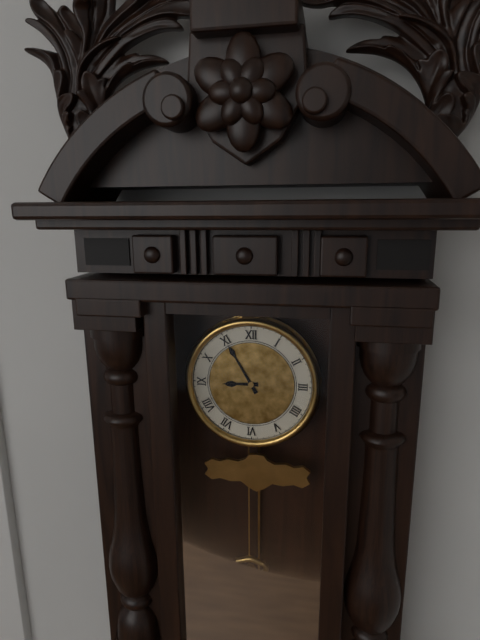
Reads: 8:55
